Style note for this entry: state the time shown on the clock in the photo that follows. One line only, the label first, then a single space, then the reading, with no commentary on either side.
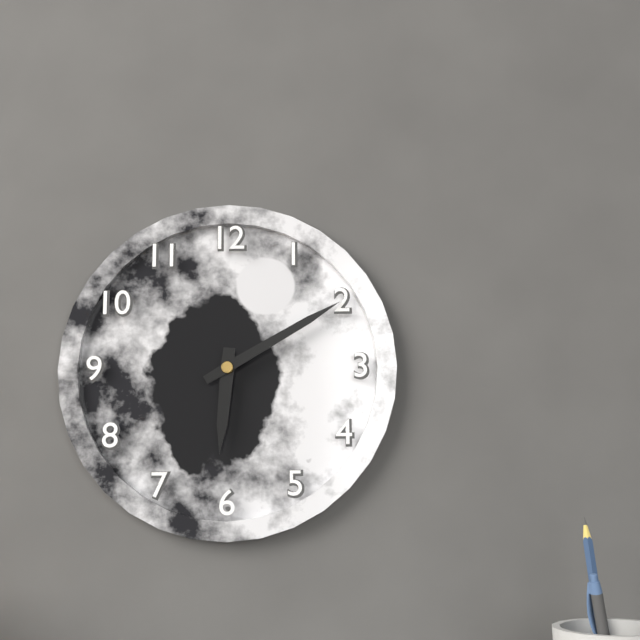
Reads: 6:10
